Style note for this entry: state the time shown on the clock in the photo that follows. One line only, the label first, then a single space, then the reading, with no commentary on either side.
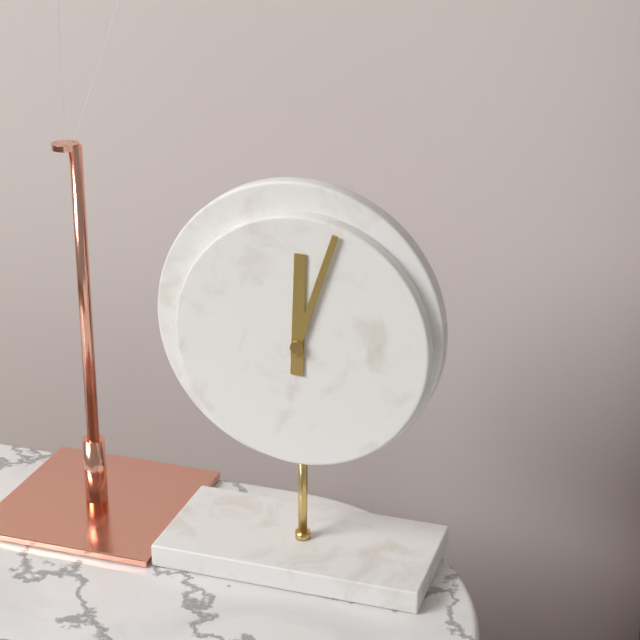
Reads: 12:03
